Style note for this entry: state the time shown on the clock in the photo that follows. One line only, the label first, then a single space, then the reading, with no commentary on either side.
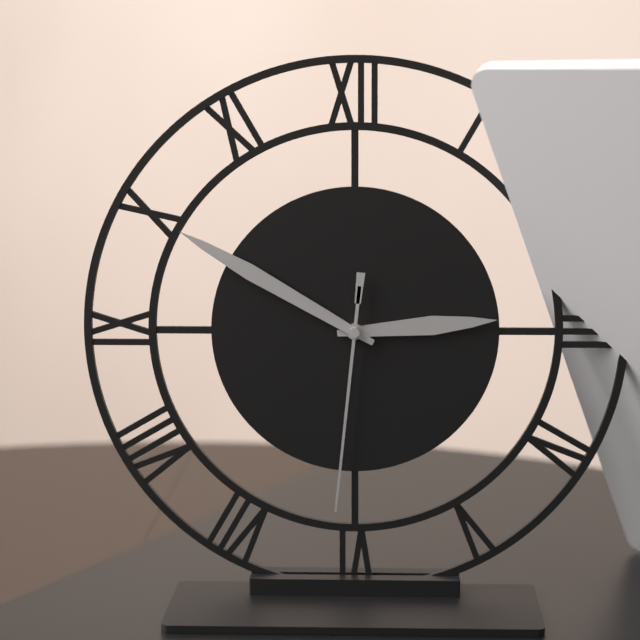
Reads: 2:50:31
